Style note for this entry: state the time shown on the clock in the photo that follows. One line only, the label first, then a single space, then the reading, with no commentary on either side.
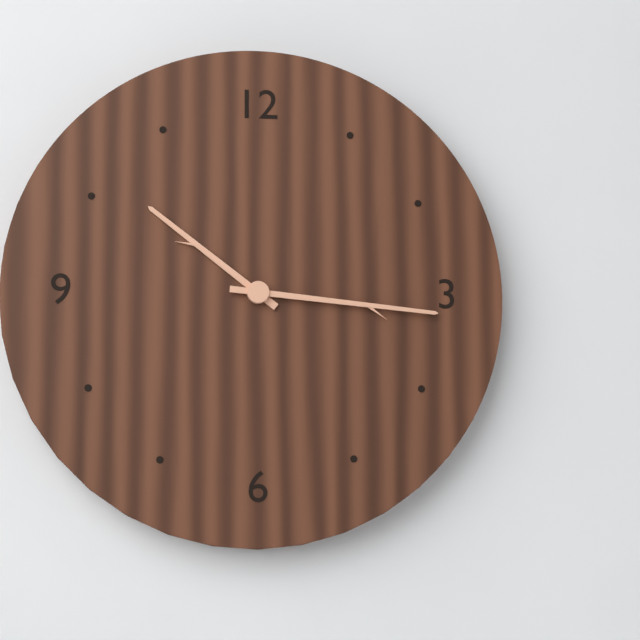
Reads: 10:16
